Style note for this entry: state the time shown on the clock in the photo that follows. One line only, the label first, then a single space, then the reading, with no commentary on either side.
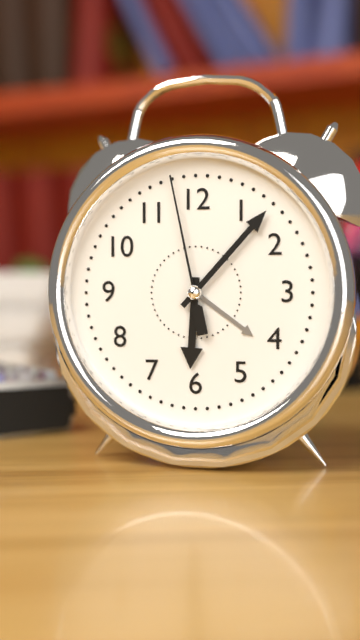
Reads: 6:07:58
